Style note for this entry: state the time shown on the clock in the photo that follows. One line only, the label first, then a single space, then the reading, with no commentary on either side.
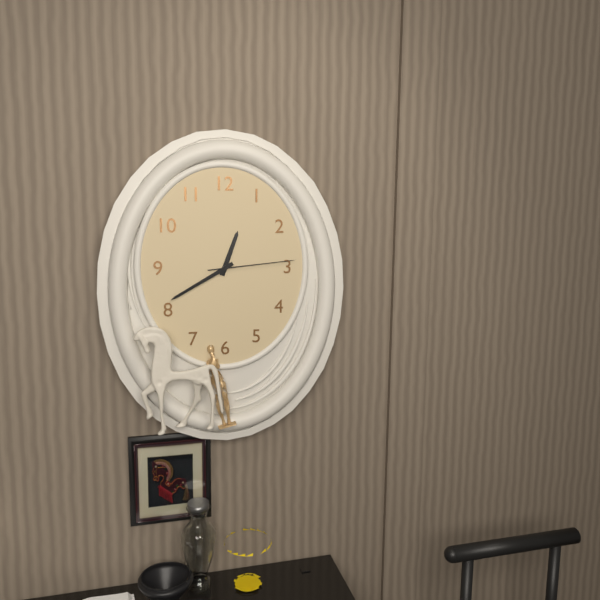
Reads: 12:40:14
